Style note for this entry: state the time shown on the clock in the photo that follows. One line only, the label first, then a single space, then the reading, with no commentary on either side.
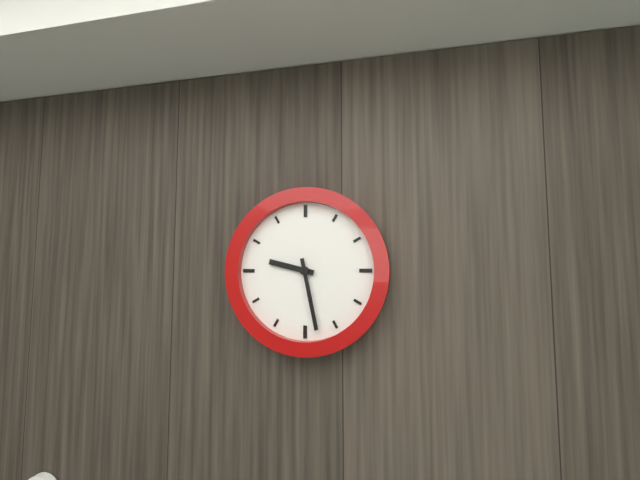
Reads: 9:28
